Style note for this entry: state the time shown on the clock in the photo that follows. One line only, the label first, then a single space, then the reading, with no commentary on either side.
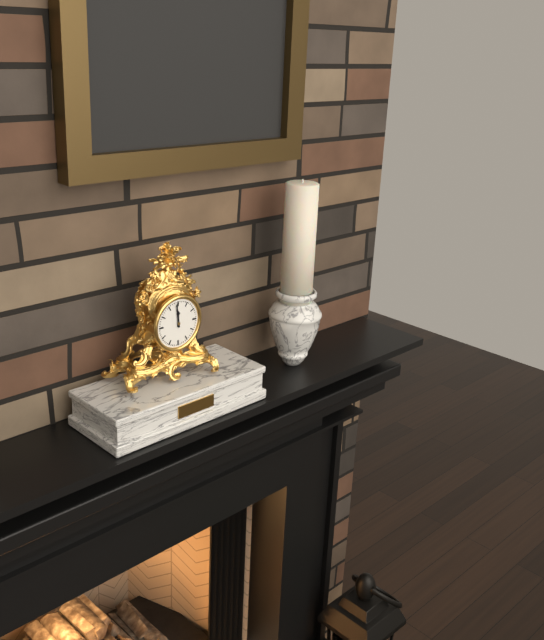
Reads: 11:59
